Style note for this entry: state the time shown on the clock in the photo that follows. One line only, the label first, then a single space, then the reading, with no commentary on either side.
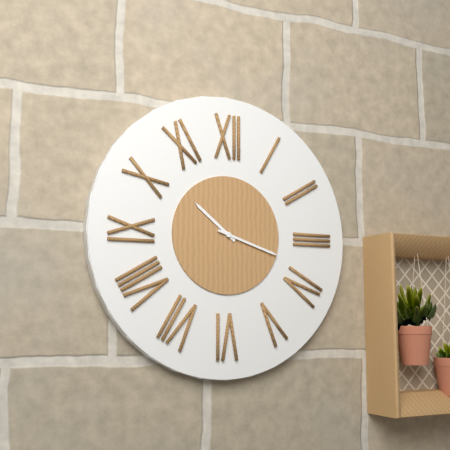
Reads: 10:18
